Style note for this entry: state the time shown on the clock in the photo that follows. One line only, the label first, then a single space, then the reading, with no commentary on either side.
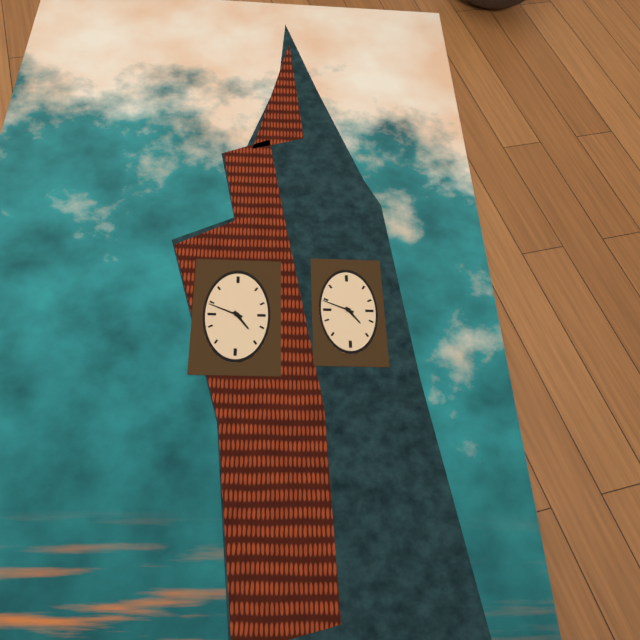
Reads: 4:49
